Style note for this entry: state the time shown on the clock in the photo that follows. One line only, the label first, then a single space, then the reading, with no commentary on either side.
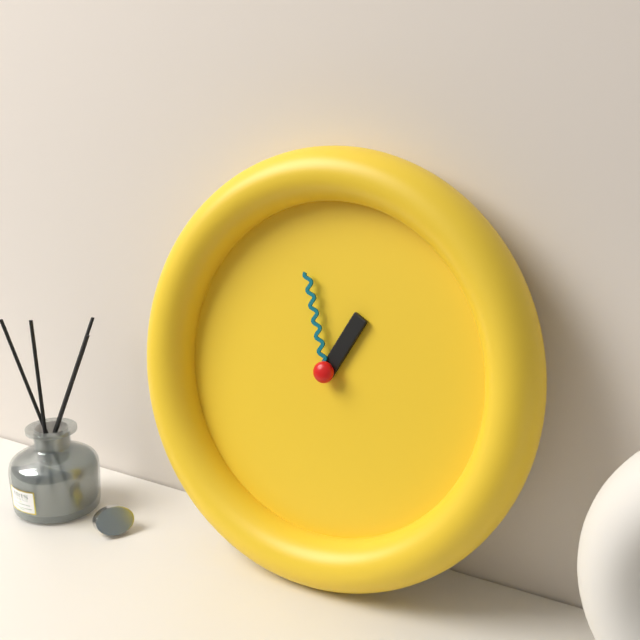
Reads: 12:57
